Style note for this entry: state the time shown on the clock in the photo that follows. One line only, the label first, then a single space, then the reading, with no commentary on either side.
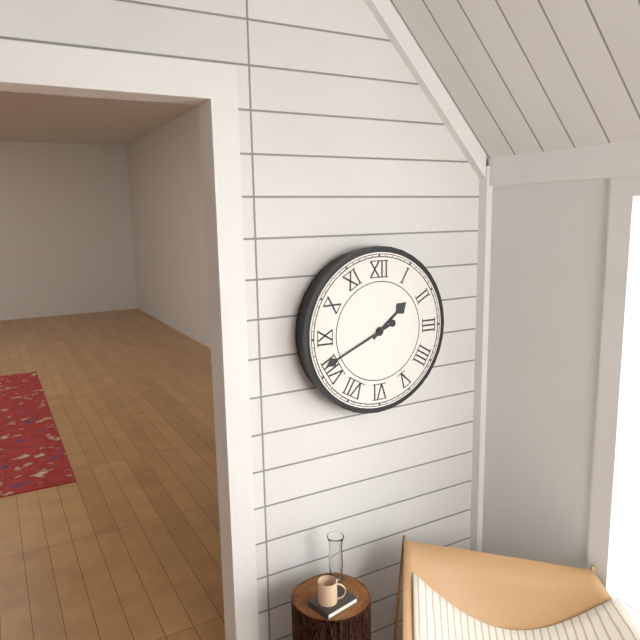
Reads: 1:41
